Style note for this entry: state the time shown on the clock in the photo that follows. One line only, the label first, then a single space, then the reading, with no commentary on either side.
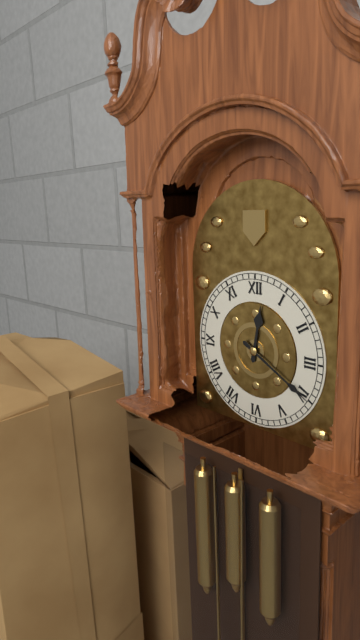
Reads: 12:20
